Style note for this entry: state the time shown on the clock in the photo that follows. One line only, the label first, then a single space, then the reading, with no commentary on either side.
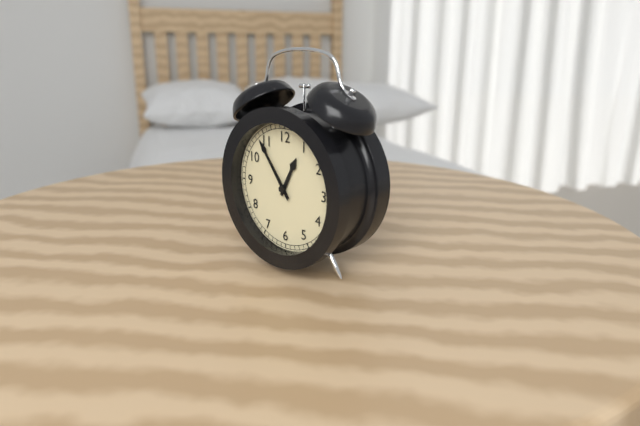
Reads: 12:54:54
